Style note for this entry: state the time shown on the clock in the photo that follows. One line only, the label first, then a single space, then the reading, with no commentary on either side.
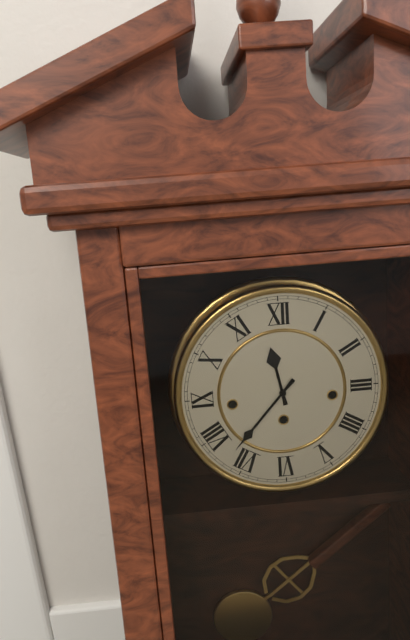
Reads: 11:37
